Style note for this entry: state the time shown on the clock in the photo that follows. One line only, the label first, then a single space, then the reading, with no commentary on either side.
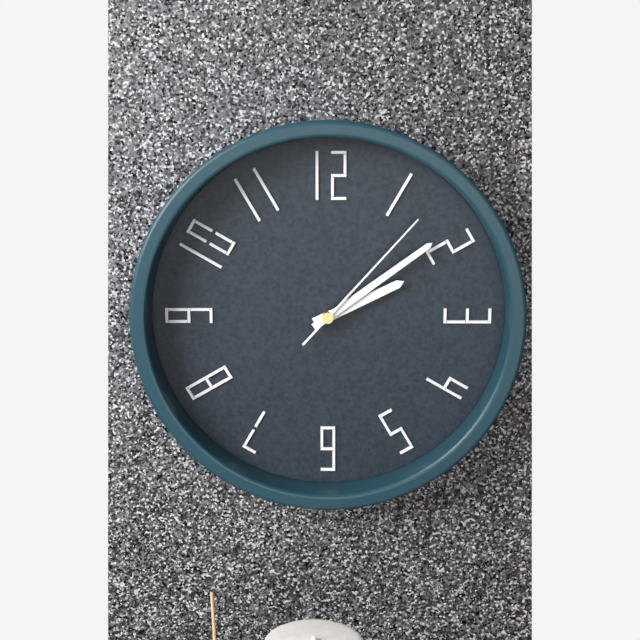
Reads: 2:09:07
